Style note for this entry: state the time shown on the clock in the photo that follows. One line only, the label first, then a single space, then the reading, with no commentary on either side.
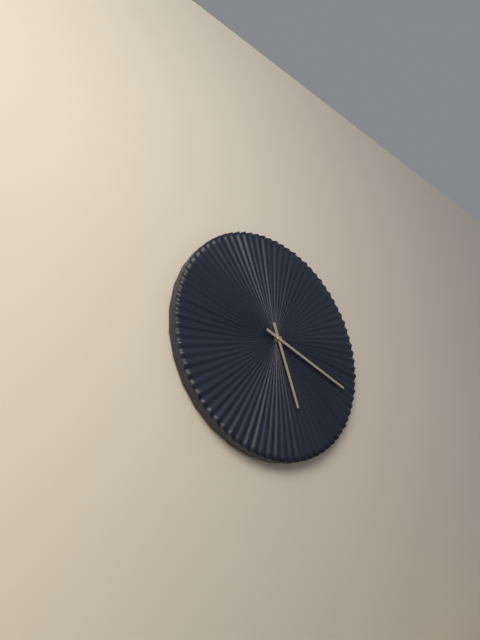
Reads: 5:18
